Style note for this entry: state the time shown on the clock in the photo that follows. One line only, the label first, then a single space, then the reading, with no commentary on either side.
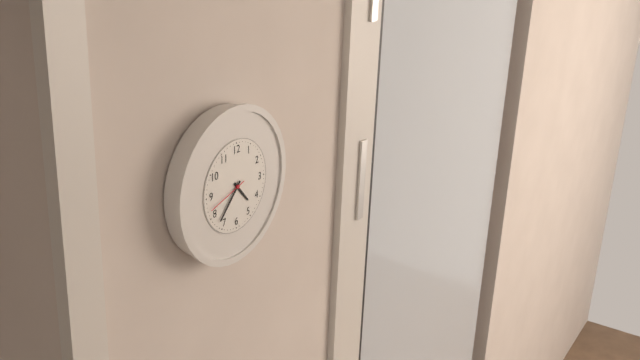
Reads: 4:37
